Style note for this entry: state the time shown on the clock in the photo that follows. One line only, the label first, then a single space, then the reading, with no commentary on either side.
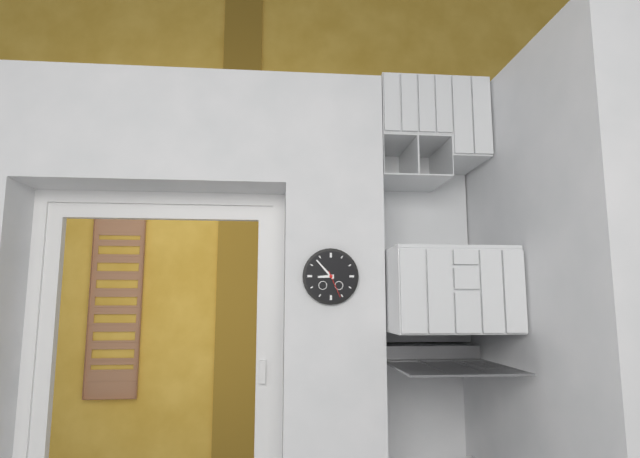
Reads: 8:53
